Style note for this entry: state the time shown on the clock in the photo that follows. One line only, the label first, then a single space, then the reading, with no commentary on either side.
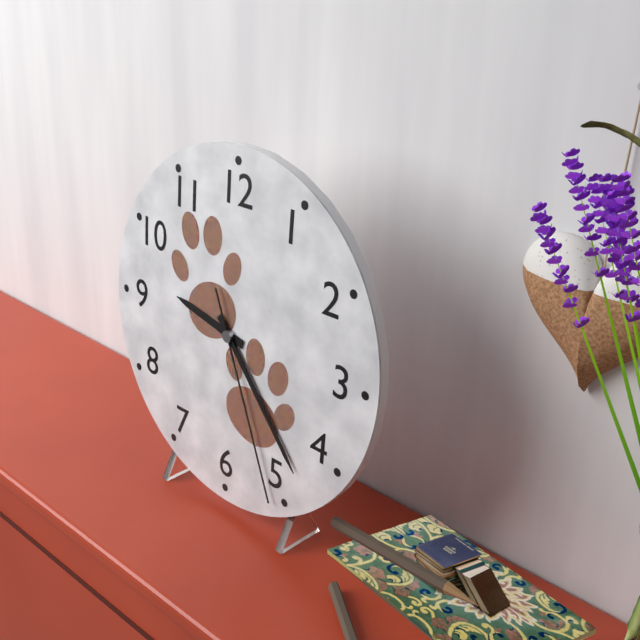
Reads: 9:23:26
